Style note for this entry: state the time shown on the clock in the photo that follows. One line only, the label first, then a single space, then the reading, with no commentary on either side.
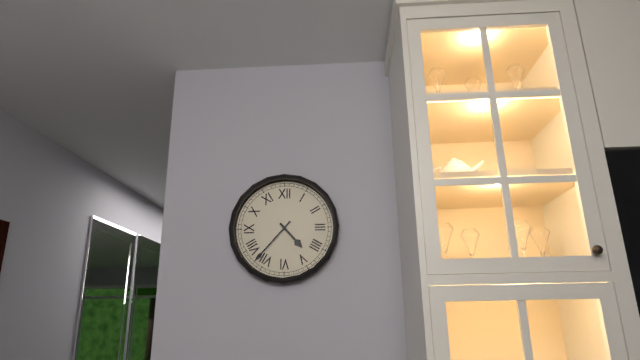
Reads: 4:37
